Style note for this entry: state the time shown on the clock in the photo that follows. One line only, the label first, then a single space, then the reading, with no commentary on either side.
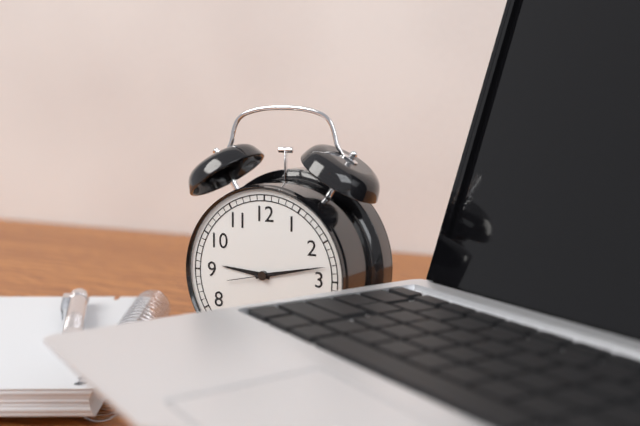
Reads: 9:13
